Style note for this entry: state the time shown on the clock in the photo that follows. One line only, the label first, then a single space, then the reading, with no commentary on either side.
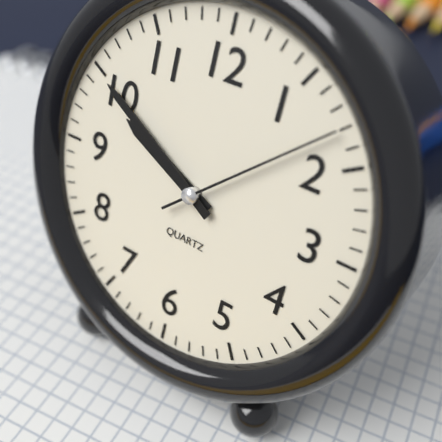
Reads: 9:50:08
